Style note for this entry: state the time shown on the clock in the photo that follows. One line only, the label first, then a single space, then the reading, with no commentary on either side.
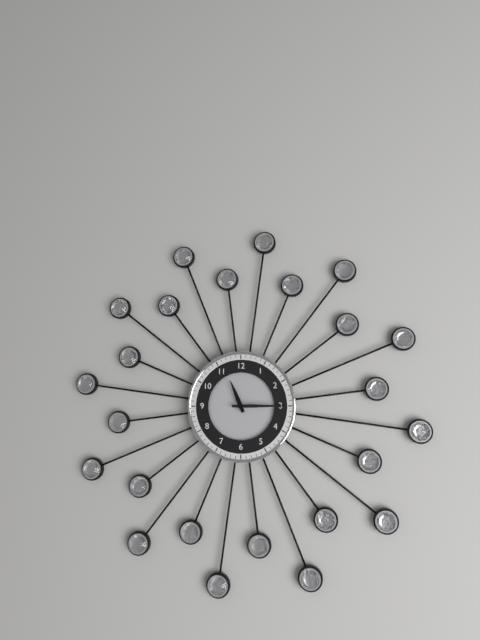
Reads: 11:15
